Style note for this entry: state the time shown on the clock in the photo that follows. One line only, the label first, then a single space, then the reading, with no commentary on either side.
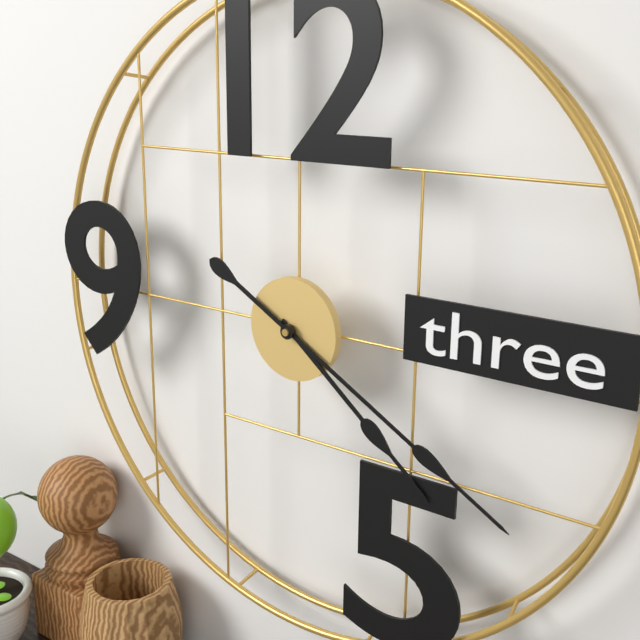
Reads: 4:20
